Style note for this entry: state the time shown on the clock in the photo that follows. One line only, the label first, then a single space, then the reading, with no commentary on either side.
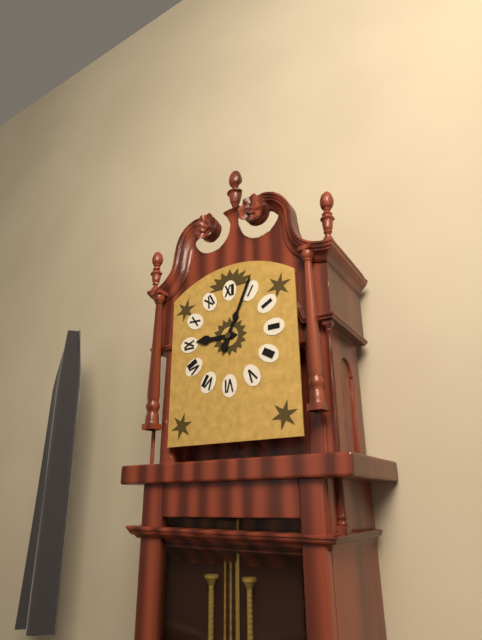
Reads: 9:04
